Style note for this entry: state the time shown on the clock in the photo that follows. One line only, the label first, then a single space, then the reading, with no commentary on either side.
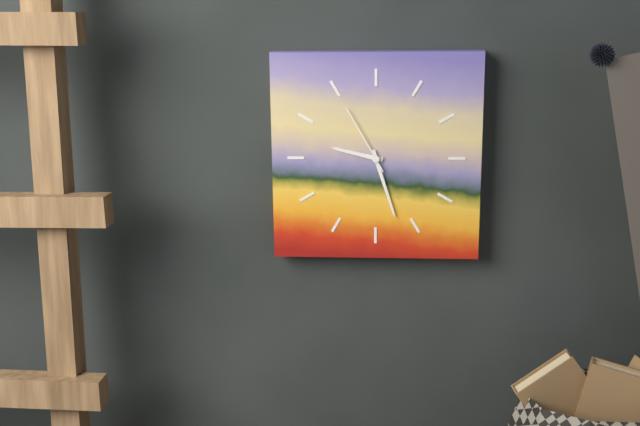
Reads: 9:27:55
